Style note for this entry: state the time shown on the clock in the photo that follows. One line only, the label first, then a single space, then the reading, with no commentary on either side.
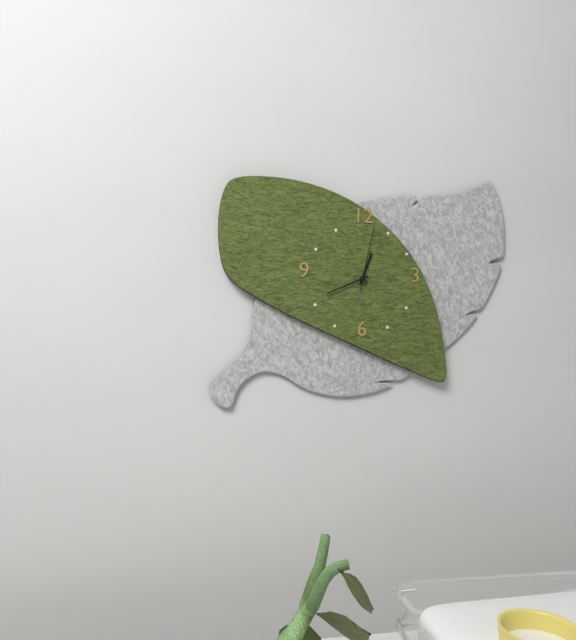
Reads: 12:41:02
